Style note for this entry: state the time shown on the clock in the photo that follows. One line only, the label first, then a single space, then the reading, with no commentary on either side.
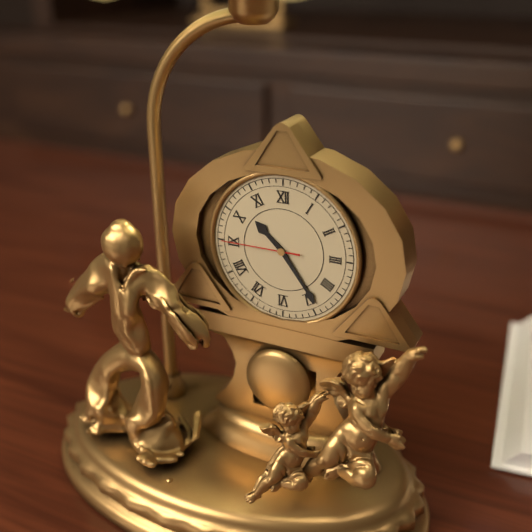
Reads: 10:24:45
